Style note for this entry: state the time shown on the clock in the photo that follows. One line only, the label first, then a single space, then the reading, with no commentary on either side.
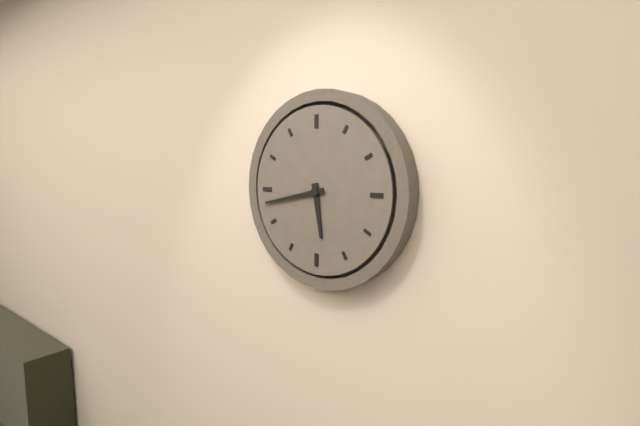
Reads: 5:43
